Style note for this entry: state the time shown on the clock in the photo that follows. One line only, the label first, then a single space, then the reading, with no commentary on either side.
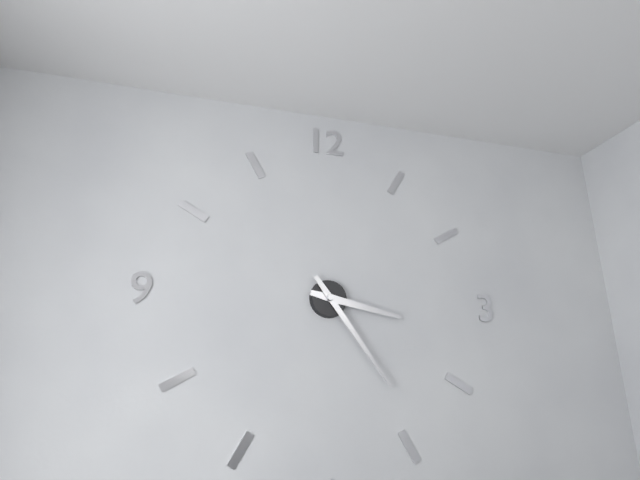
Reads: 3:24
